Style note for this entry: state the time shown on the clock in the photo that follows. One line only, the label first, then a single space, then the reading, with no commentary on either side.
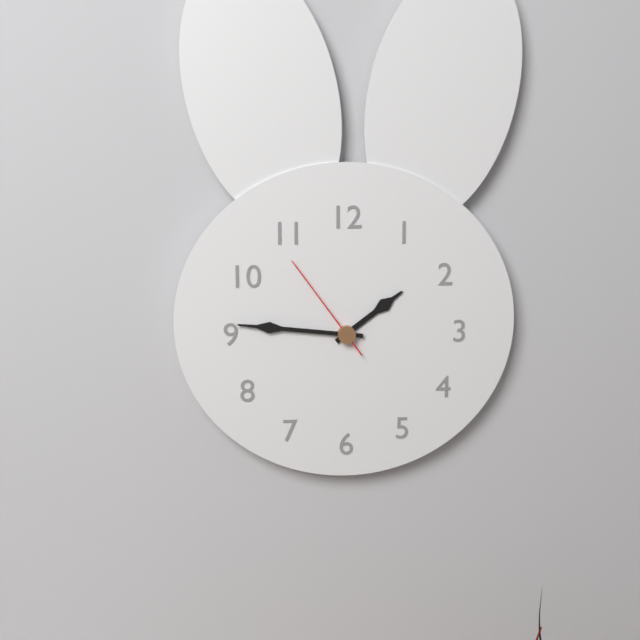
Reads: 1:46:54
